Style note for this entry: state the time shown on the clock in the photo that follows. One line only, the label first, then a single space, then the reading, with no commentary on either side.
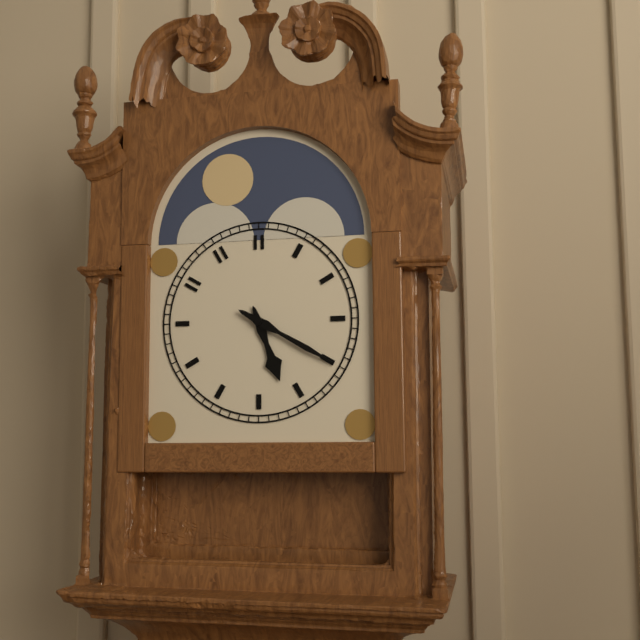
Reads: 5:20
